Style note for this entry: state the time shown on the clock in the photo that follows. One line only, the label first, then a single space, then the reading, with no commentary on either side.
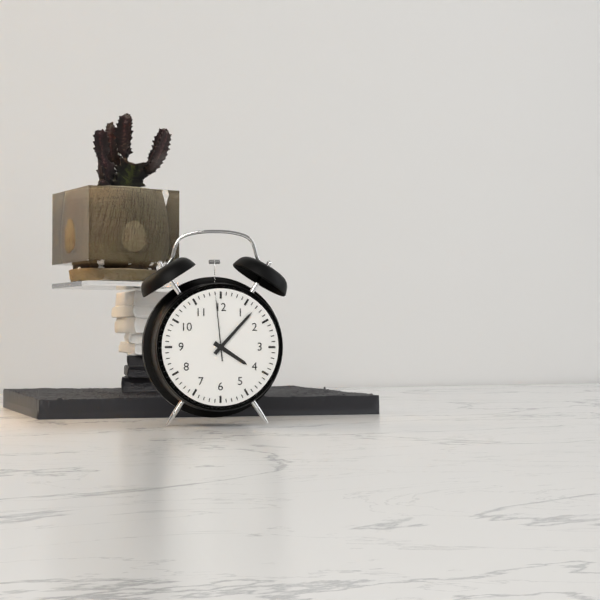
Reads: 4:07:59
